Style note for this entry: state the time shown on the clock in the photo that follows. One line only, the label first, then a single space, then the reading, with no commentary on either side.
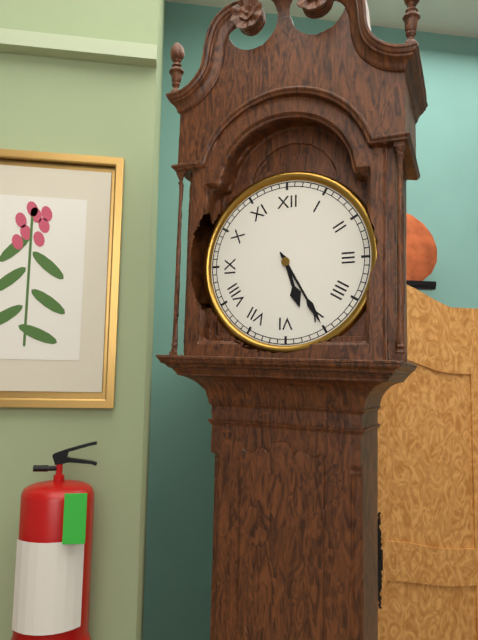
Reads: 5:25
